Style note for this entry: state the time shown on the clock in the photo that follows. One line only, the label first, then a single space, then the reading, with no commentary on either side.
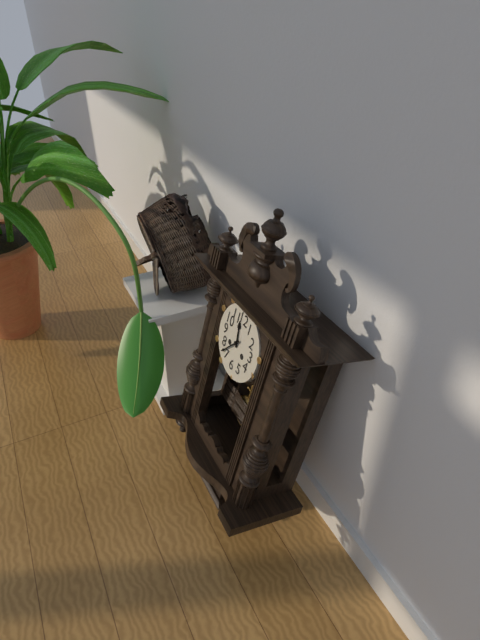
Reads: 11:37
